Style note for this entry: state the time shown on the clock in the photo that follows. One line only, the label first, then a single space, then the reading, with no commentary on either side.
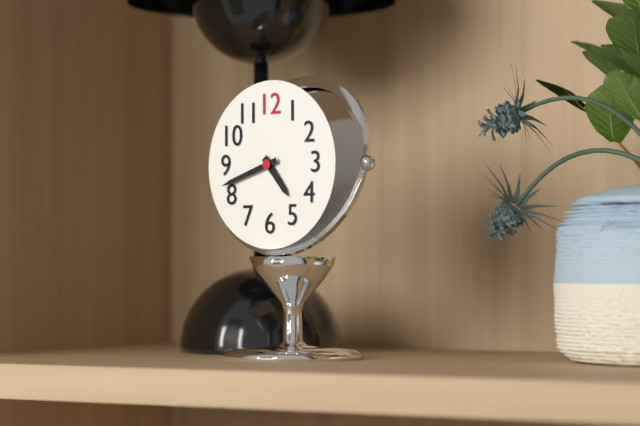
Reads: 4:42
